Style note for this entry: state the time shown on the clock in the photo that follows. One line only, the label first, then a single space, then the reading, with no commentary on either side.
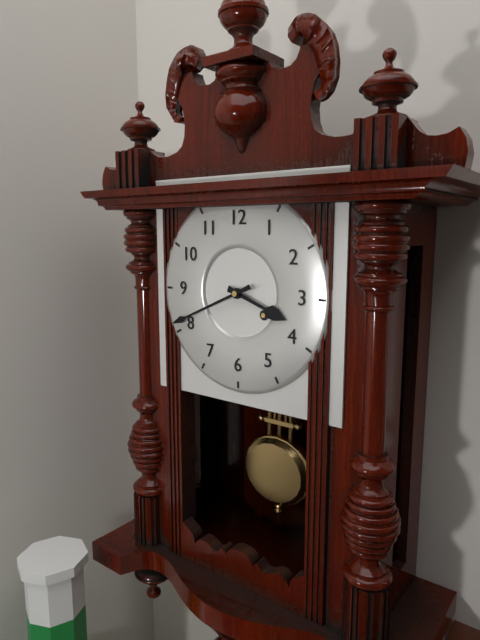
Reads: 3:41
